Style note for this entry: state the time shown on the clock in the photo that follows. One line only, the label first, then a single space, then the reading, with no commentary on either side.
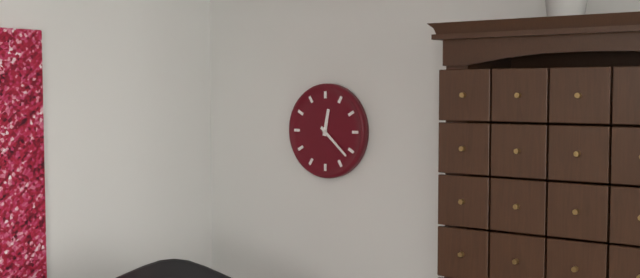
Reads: 12:22
